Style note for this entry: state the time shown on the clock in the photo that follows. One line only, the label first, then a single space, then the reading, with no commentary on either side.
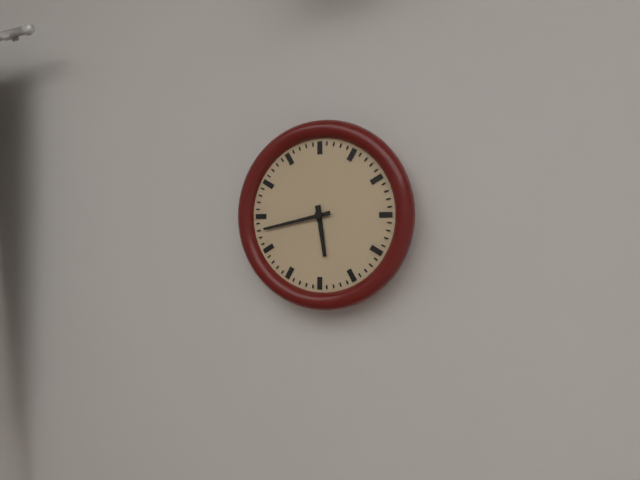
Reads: 5:43
